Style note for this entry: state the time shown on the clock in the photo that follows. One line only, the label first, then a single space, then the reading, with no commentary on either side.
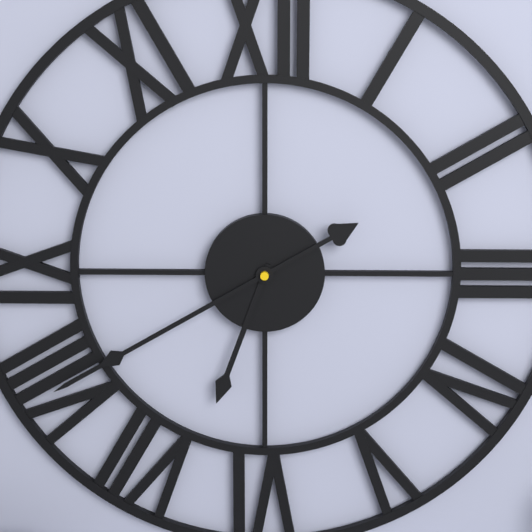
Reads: 6:40
